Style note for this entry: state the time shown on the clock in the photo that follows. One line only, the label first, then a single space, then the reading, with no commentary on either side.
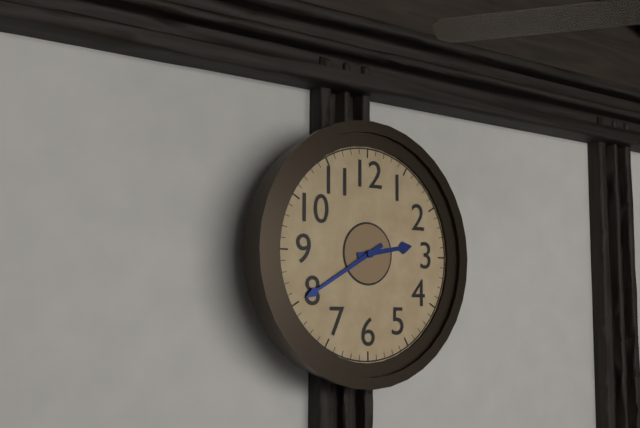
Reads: 2:40
